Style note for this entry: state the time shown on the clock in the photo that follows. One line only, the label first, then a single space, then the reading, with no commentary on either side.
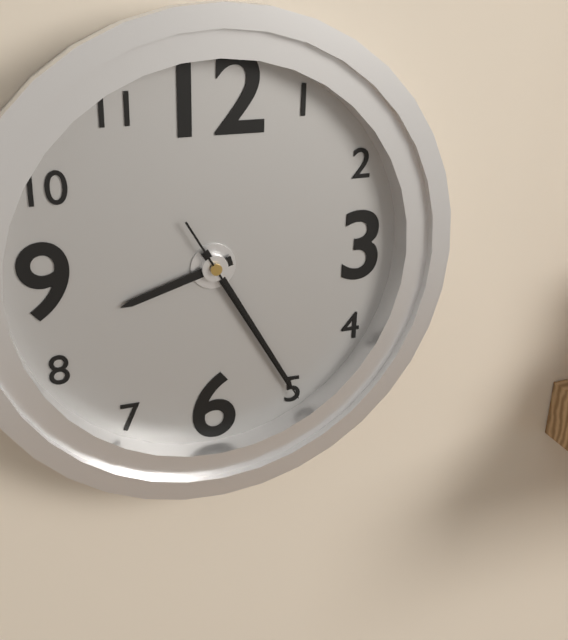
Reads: 8:25:25
